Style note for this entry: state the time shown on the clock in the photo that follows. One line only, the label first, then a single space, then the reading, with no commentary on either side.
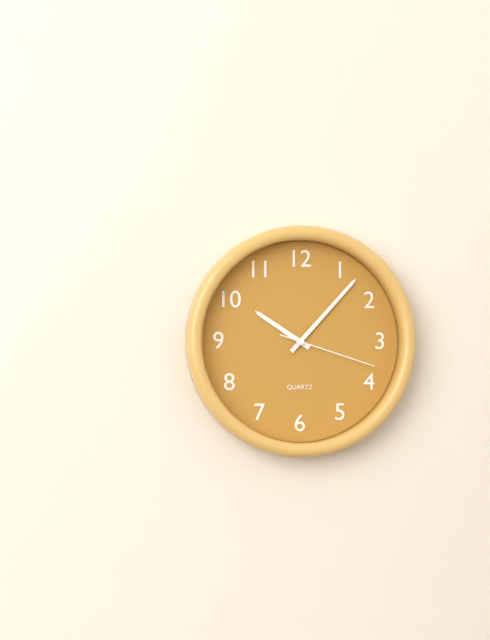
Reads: 10:07:18
